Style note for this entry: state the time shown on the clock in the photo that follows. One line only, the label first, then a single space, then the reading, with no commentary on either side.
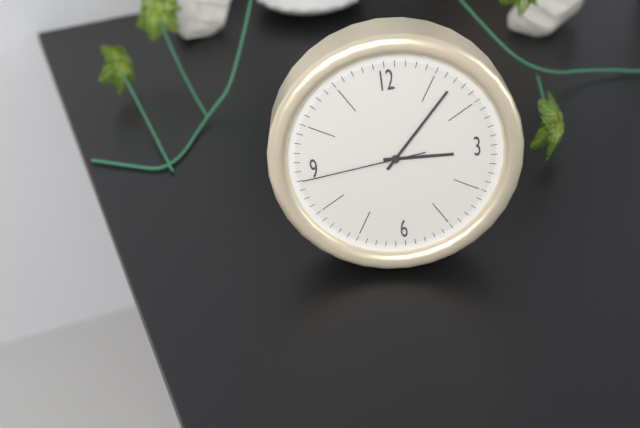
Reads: 3:07:44
